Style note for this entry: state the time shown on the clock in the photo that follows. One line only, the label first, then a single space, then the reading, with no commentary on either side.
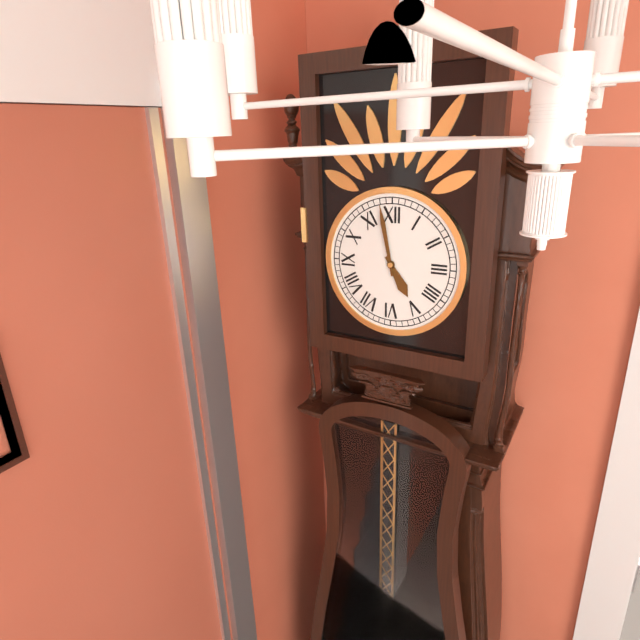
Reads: 4:58
